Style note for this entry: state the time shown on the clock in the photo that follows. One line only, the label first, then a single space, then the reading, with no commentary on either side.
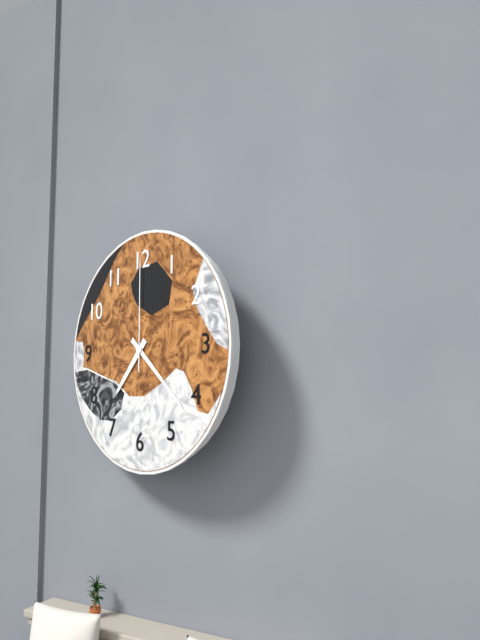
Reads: 7:22:00
